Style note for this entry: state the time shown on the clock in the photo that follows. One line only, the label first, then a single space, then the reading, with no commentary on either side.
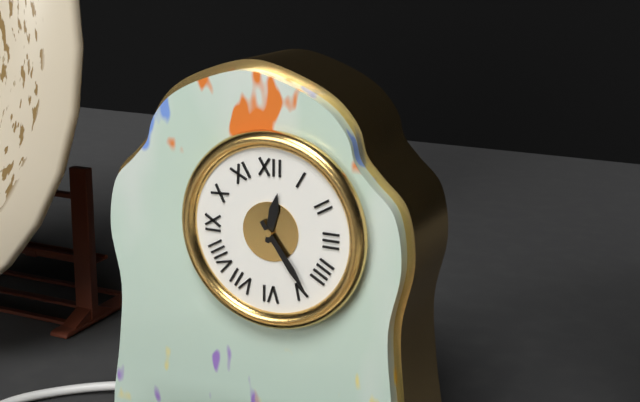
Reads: 12:24
